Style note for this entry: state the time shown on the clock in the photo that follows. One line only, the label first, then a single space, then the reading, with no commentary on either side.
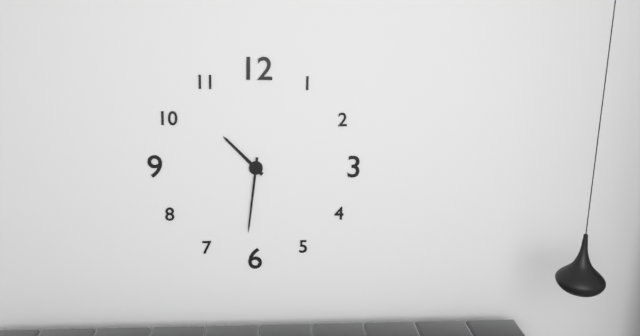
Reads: 10:31
